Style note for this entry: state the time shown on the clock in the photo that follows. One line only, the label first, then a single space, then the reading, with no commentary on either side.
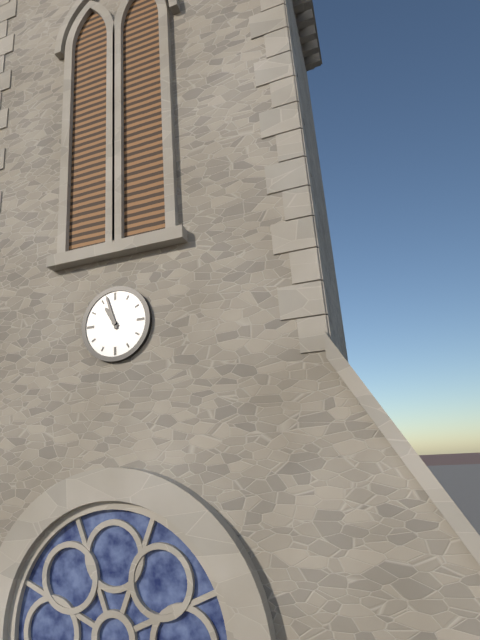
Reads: 10:57
